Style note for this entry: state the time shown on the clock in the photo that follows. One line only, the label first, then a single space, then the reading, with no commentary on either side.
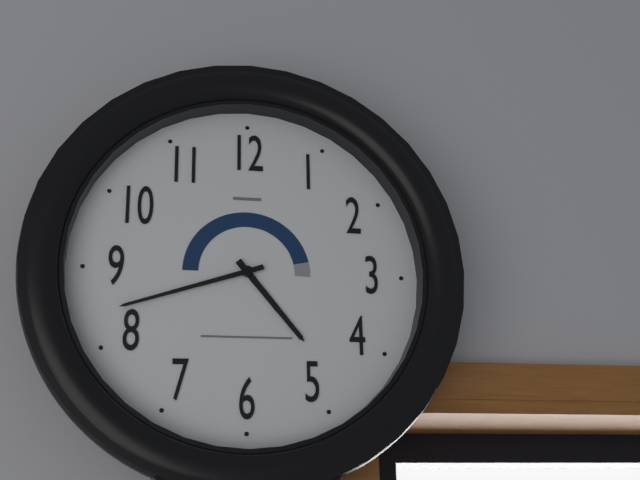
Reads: 4:42
